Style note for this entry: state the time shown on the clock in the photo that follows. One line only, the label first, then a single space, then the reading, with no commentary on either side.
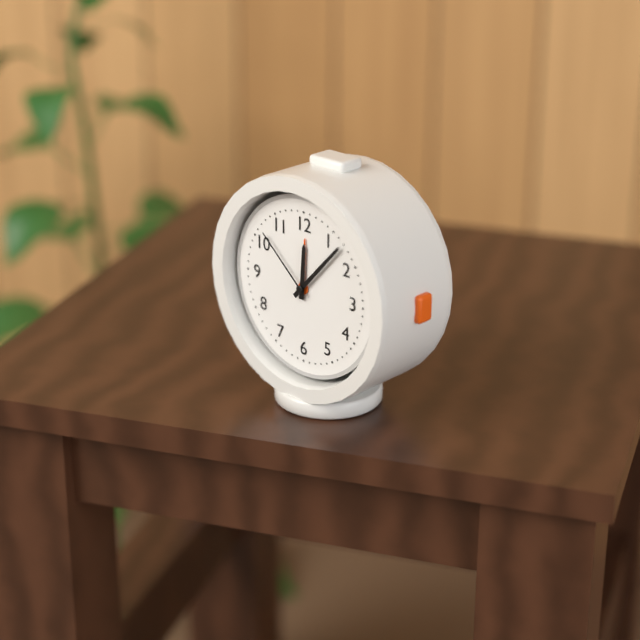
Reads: 12:07:52
